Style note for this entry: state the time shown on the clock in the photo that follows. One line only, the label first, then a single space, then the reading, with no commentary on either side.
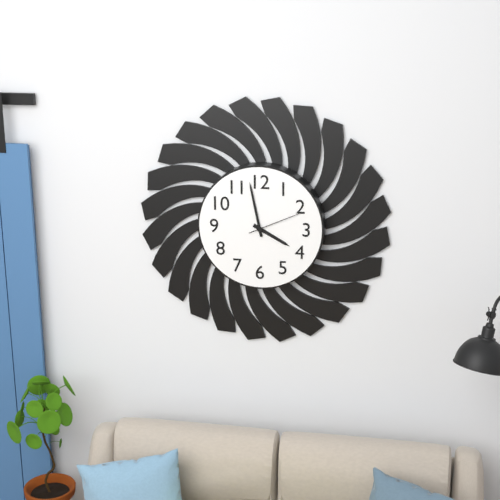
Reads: 3:58:11
